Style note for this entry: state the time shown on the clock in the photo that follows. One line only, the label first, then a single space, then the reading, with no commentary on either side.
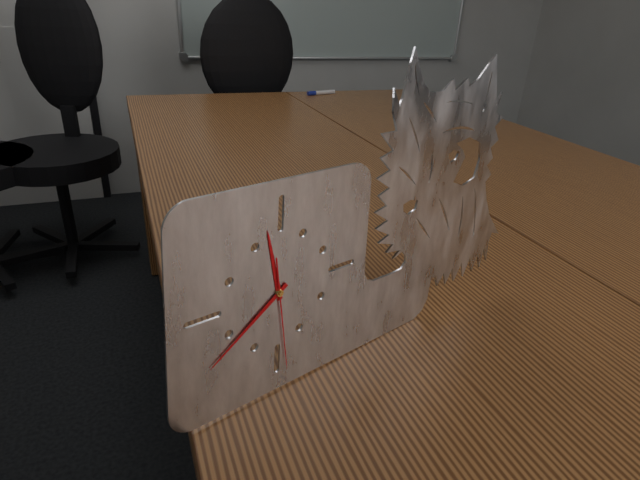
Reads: 11:39:29
